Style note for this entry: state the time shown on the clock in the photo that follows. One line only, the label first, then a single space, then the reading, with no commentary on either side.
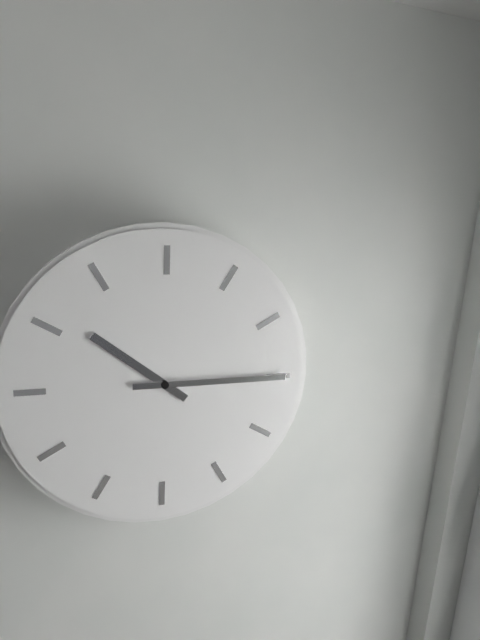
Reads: 10:15
